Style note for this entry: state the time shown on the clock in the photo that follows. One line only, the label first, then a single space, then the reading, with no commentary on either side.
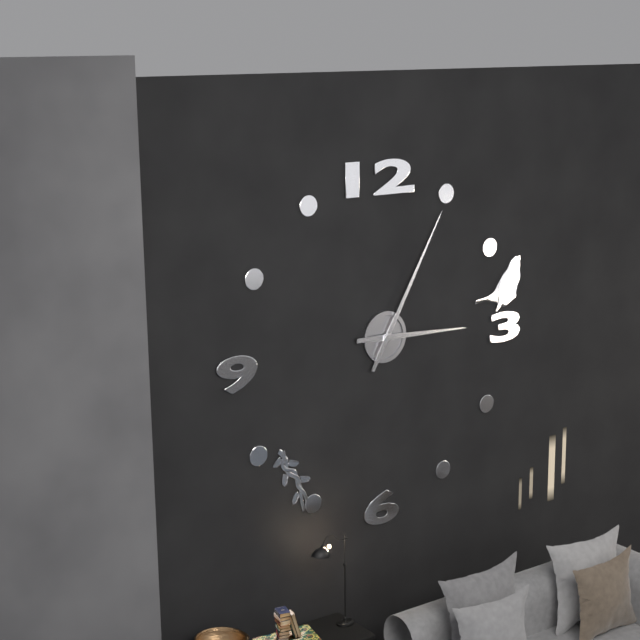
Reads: 3:05
